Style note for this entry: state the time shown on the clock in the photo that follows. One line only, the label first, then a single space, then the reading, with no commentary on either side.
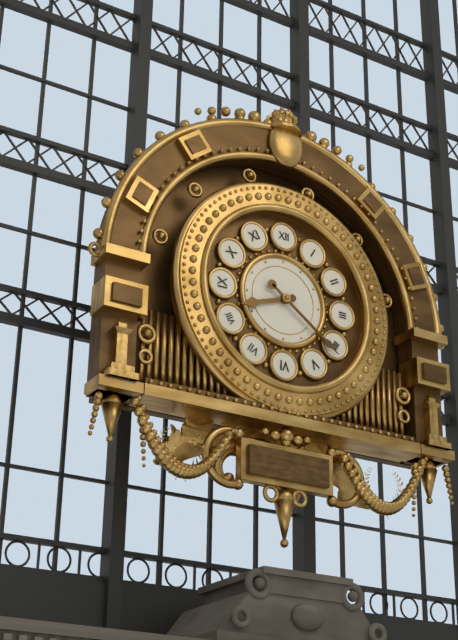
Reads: 8:21
